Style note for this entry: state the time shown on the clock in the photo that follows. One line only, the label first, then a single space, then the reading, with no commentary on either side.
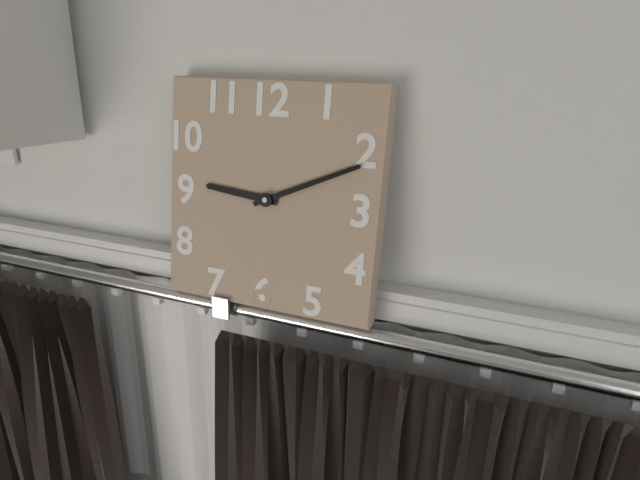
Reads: 9:11
